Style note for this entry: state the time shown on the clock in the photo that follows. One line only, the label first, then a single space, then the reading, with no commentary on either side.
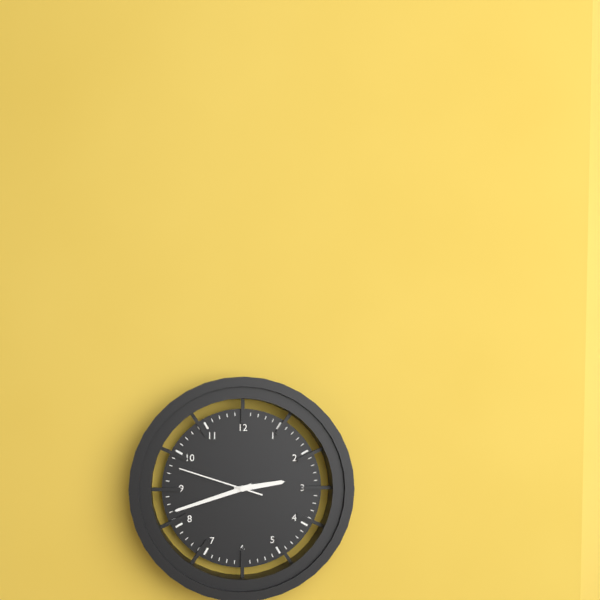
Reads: 2:42:48
